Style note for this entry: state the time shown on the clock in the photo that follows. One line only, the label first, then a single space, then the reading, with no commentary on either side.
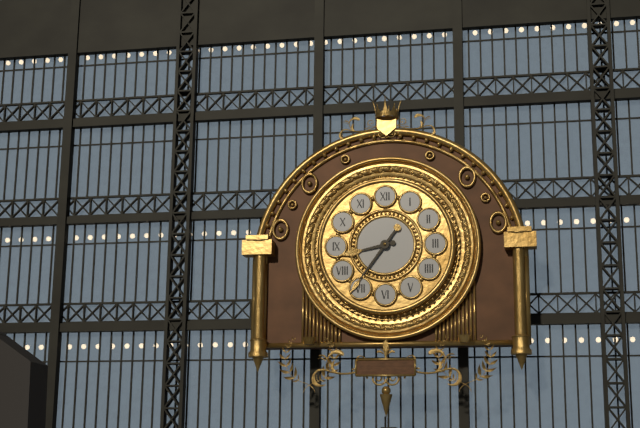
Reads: 8:36
